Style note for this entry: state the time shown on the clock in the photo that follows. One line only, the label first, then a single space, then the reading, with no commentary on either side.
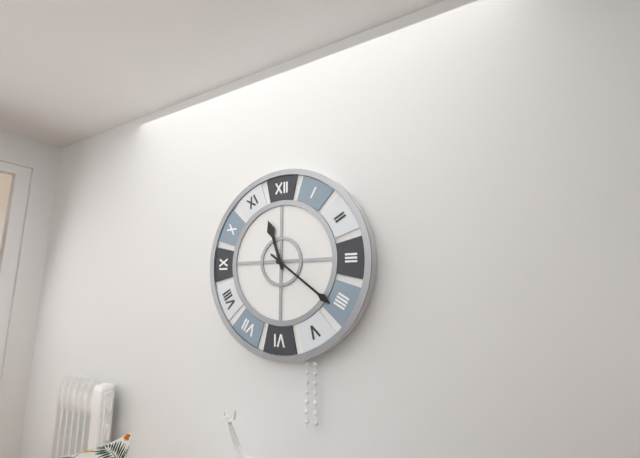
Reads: 11:21
